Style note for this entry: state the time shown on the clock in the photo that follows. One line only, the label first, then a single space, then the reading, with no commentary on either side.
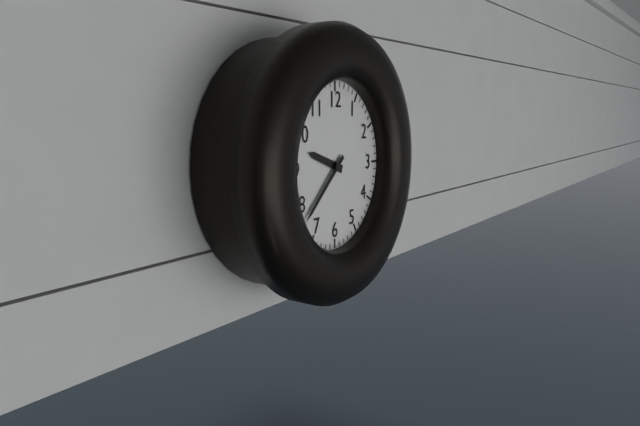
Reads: 9:38
